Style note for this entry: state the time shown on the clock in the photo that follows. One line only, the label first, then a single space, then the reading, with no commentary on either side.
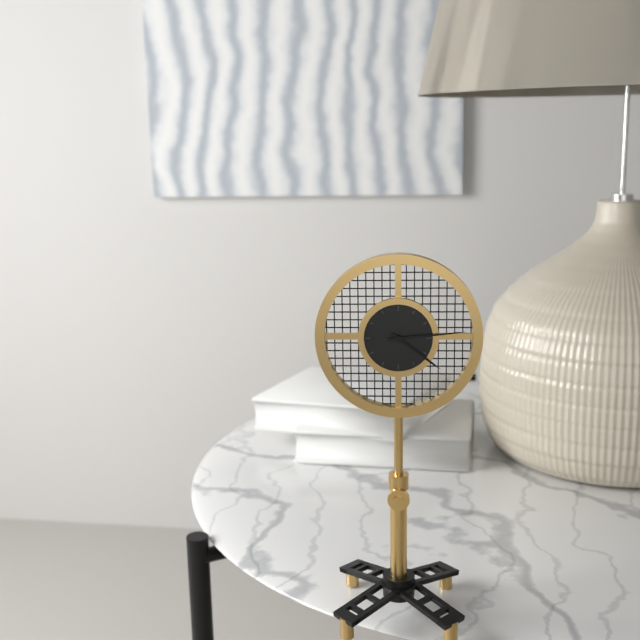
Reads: 4:14
